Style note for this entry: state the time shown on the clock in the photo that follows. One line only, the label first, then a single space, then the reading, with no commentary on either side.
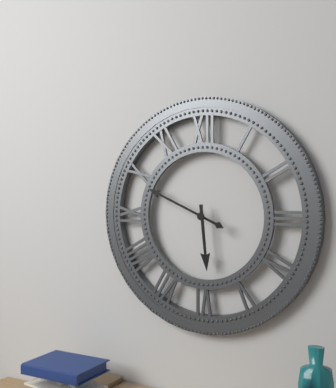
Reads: 5:49
